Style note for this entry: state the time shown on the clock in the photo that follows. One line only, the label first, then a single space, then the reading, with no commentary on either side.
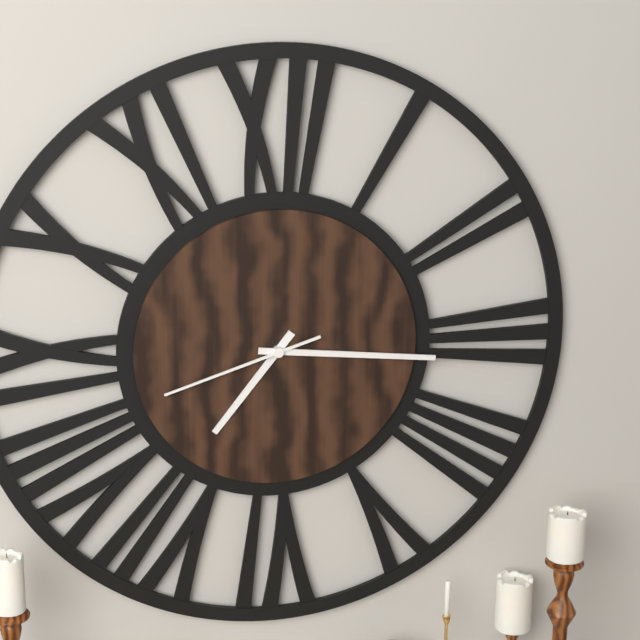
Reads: 7:16:42
